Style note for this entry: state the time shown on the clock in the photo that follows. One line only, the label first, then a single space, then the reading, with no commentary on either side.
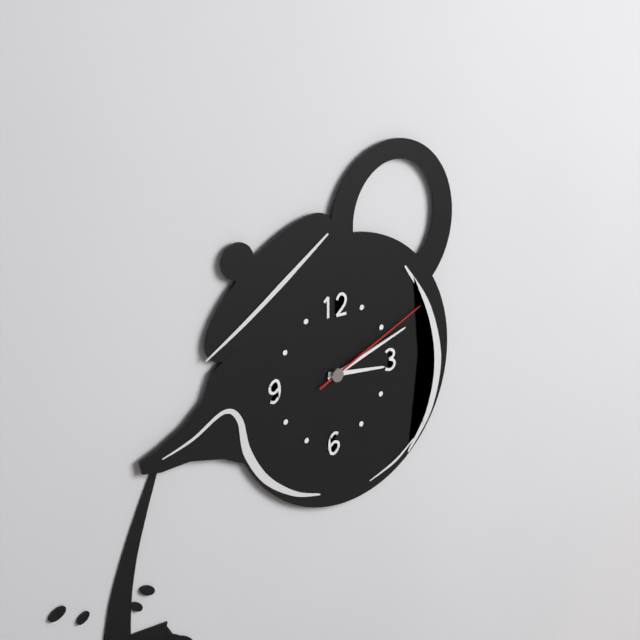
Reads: 3:12:11
